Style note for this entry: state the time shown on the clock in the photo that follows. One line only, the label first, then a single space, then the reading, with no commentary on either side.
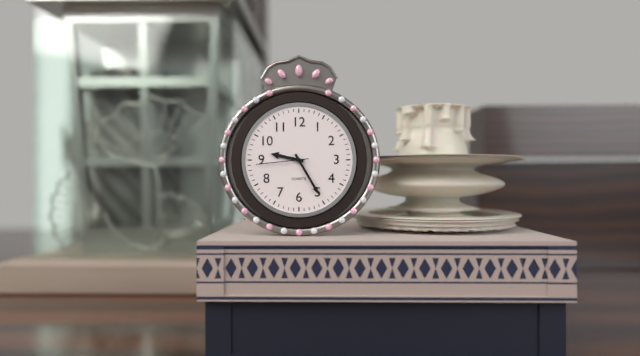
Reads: 9:25:44
